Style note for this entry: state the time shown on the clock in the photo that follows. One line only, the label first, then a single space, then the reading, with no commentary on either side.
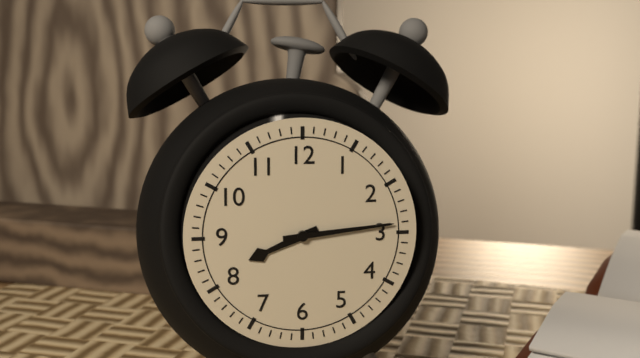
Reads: 8:14
